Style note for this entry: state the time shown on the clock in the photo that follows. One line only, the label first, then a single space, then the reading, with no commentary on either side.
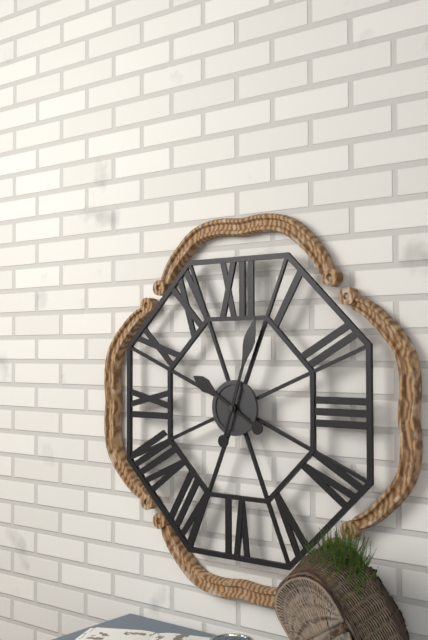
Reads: 10:03
